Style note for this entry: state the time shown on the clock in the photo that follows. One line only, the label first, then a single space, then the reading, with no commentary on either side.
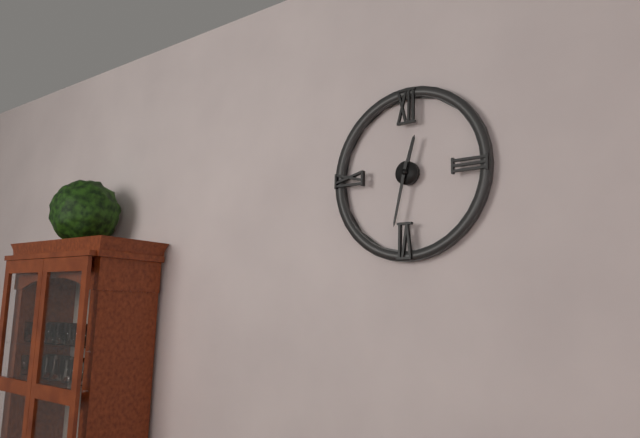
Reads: 12:32
